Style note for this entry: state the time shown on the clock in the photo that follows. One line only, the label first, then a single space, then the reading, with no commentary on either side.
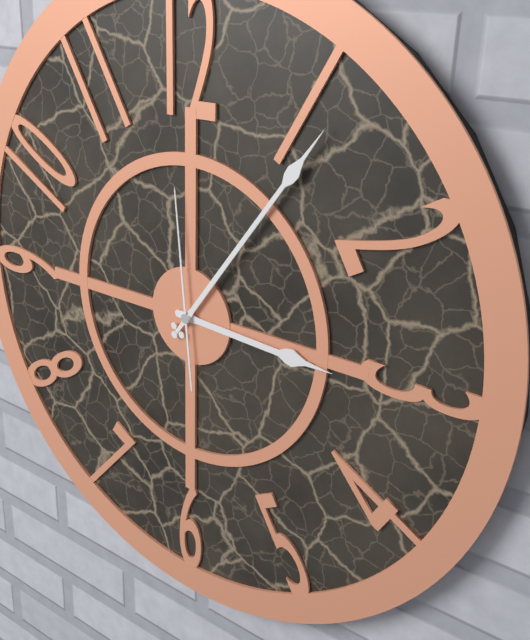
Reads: 3:06:59
